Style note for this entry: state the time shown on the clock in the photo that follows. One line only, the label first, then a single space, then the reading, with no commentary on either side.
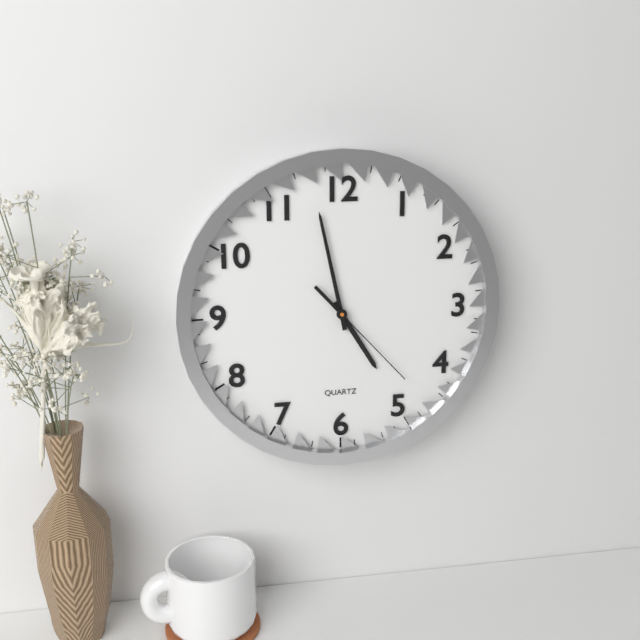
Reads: 4:58:23
